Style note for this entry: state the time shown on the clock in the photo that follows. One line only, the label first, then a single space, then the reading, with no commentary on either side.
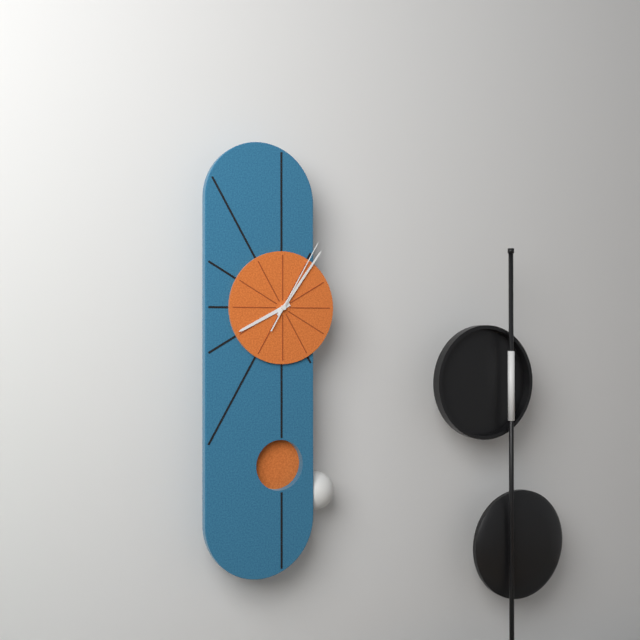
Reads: 8:06:05
